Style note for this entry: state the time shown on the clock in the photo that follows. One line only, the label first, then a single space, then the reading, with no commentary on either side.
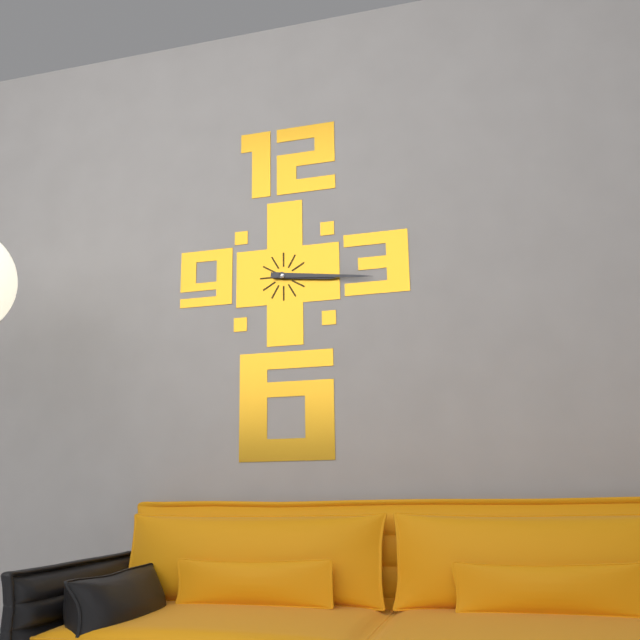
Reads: 3:16
